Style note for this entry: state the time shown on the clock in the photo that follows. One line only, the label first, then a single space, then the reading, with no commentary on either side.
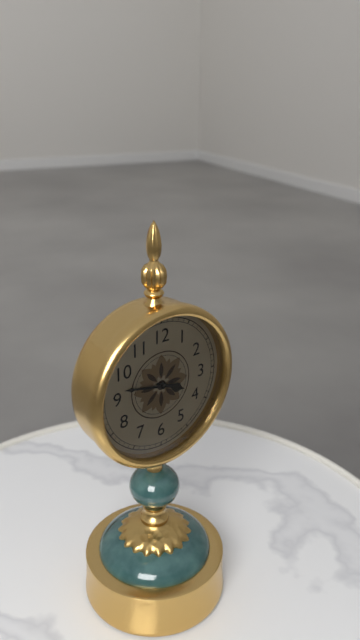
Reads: 3:47
